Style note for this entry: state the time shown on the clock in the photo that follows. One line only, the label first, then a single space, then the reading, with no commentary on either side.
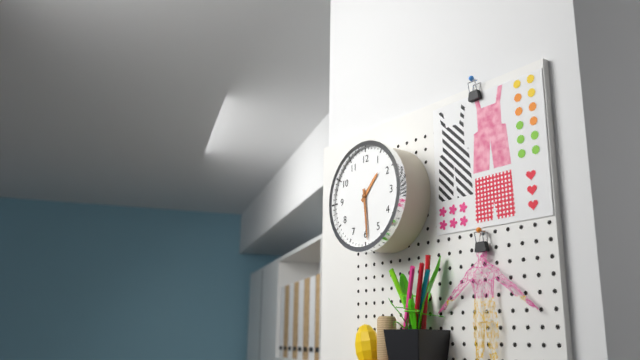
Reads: 1:29
